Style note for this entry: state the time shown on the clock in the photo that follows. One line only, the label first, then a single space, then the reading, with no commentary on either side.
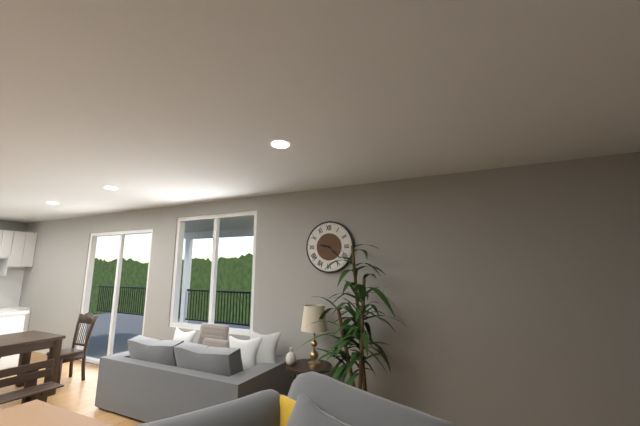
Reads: 9:22
